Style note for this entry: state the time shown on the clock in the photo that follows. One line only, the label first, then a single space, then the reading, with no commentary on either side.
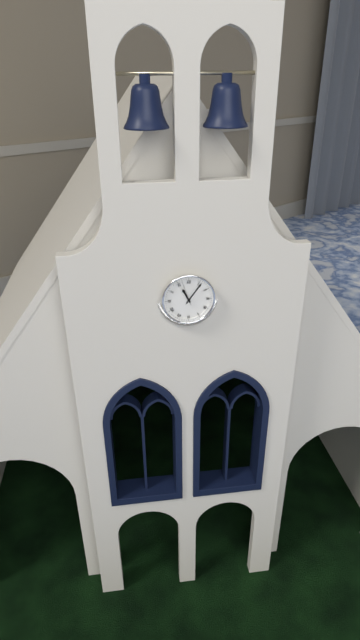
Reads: 11:06
